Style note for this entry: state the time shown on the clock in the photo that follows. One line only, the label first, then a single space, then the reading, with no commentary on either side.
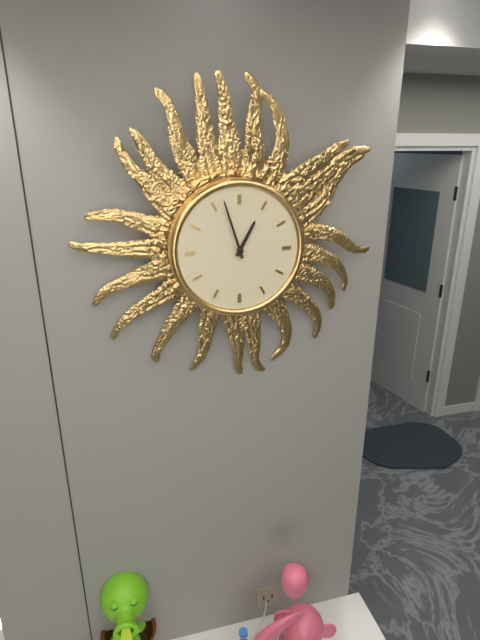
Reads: 12:57
